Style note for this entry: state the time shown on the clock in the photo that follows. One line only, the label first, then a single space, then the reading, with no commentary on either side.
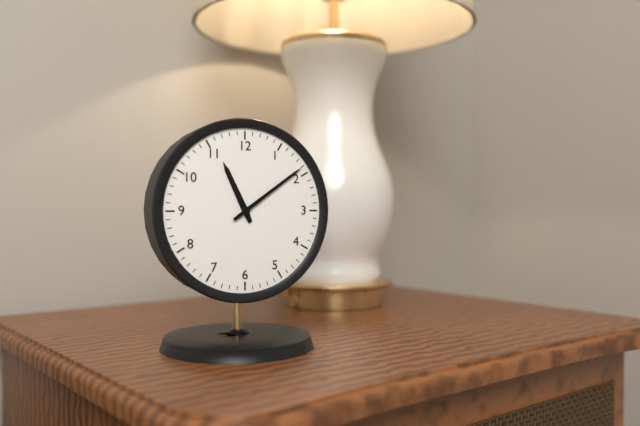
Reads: 11:09
